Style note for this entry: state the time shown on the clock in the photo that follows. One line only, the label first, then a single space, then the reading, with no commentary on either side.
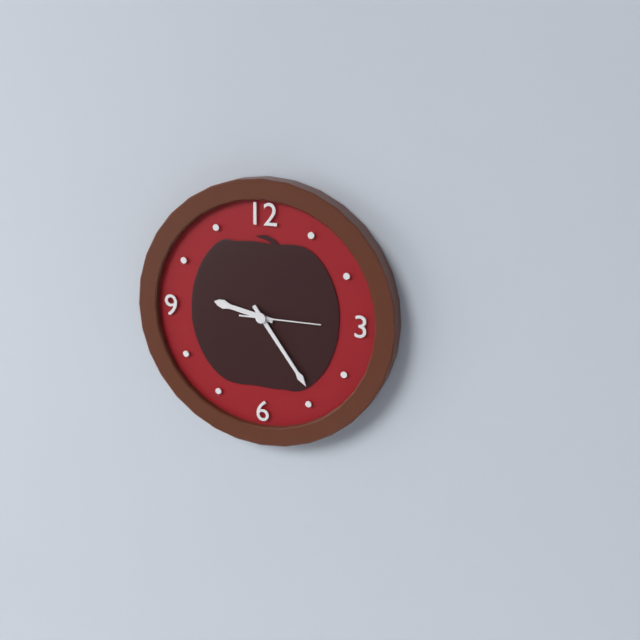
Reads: 9:24:15
